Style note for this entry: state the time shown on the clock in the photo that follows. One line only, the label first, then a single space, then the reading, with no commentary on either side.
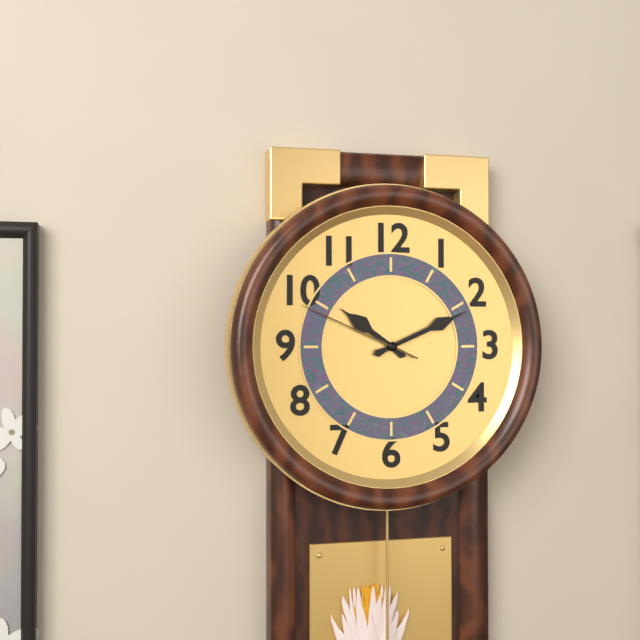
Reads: 10:11:49
